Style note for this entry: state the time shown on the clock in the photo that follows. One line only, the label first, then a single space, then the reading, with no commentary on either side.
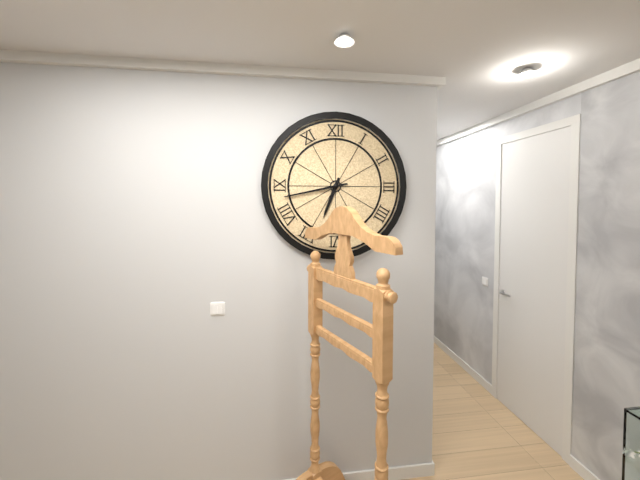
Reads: 6:43
